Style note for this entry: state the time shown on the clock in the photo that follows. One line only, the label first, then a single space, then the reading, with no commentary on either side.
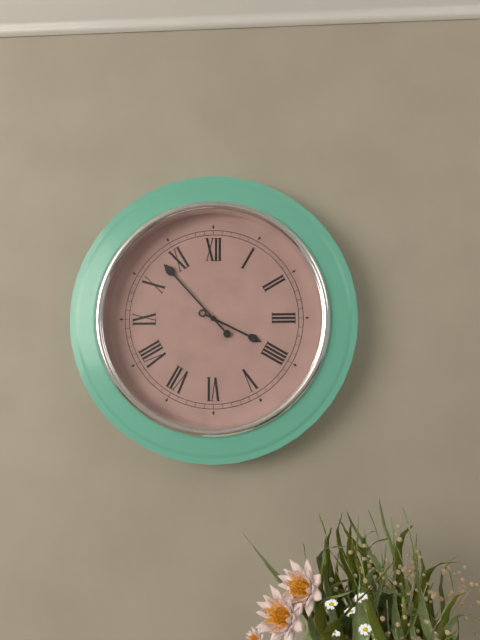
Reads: 3:53
